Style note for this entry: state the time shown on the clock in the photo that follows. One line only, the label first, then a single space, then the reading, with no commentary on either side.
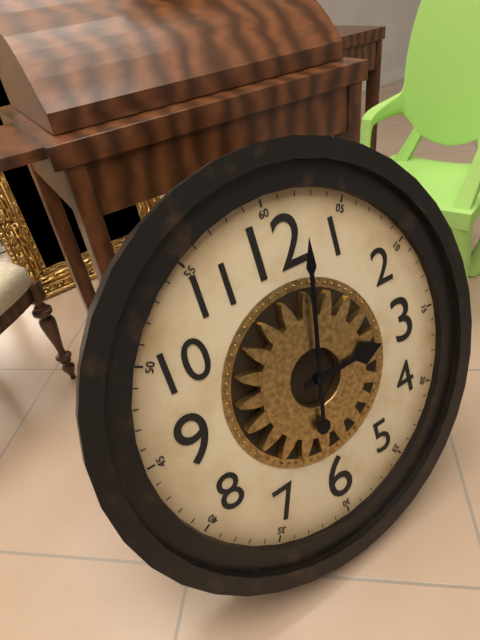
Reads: 3:02
